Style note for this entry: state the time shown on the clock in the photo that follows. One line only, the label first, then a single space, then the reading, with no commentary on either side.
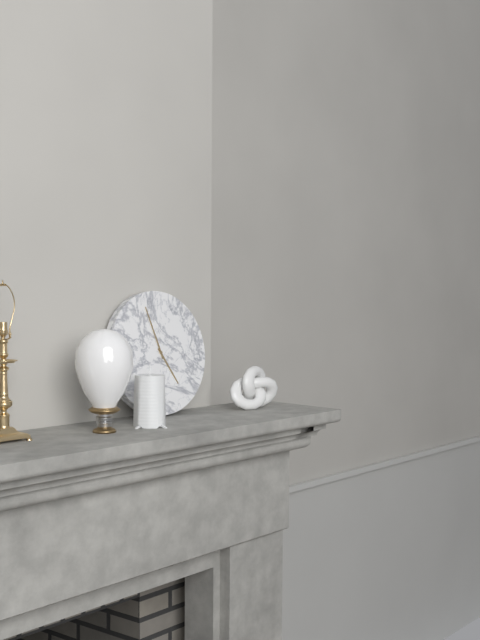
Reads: 4:57
